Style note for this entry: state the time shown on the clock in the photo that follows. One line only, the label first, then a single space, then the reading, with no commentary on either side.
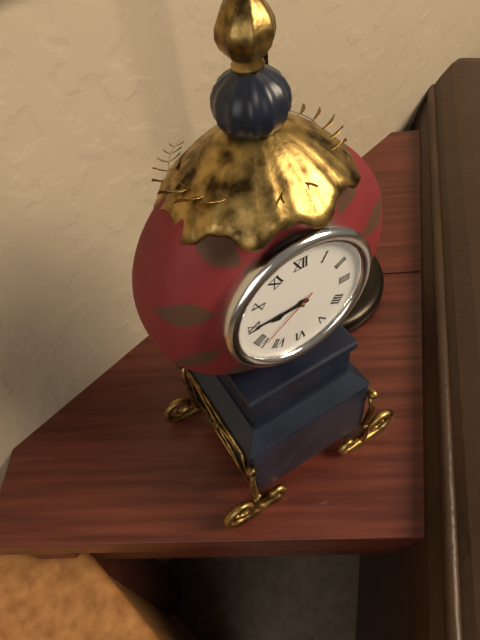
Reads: 8:45:39
